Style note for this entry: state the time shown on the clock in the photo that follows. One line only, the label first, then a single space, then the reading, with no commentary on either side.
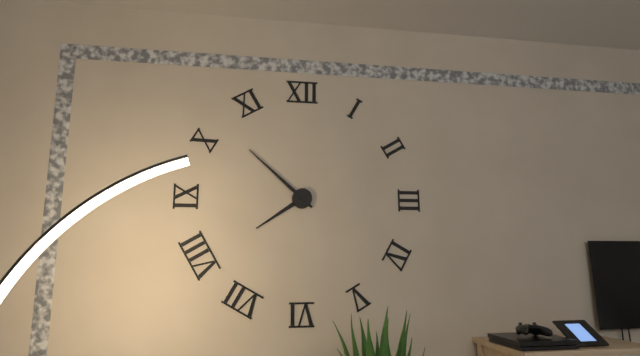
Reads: 7:52
